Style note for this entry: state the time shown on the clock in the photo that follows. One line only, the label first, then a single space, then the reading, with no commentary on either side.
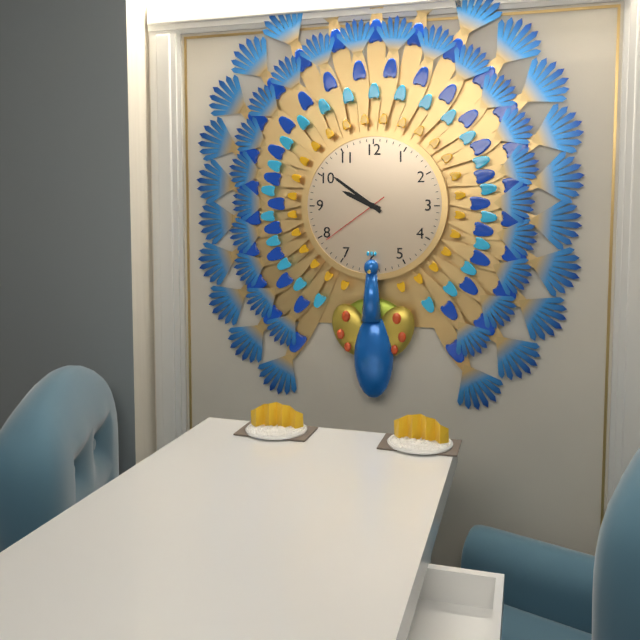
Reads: 9:51:39
